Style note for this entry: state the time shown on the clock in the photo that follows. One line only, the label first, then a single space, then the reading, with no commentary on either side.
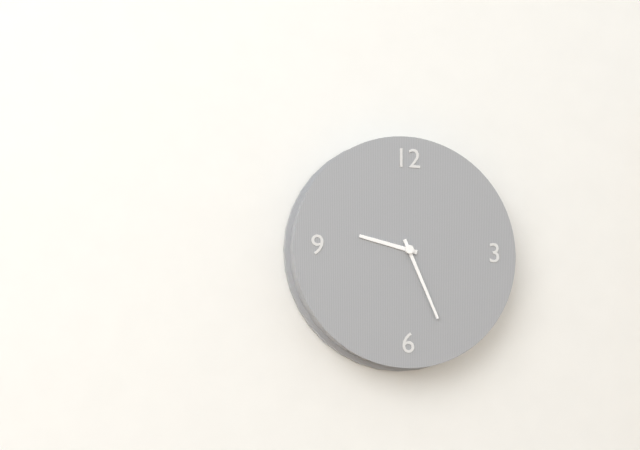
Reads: 9:26
